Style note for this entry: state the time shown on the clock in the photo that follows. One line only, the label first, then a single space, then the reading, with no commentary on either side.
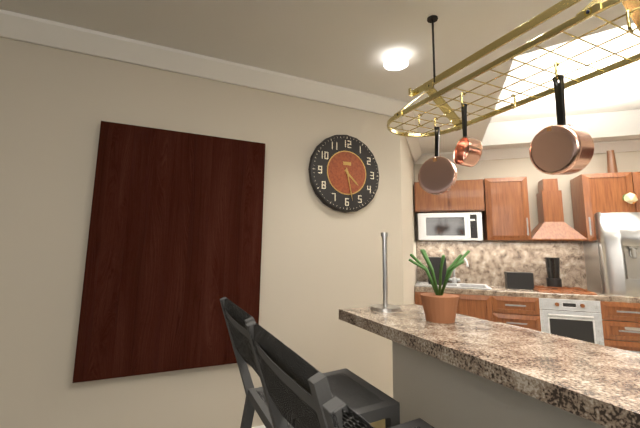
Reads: 4:28
